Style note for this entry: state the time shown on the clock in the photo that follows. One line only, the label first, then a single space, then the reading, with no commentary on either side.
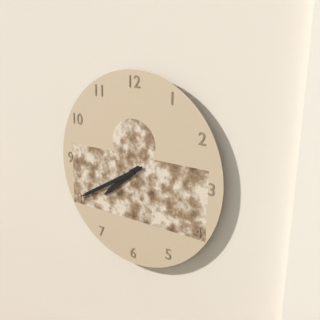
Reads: 7:40
